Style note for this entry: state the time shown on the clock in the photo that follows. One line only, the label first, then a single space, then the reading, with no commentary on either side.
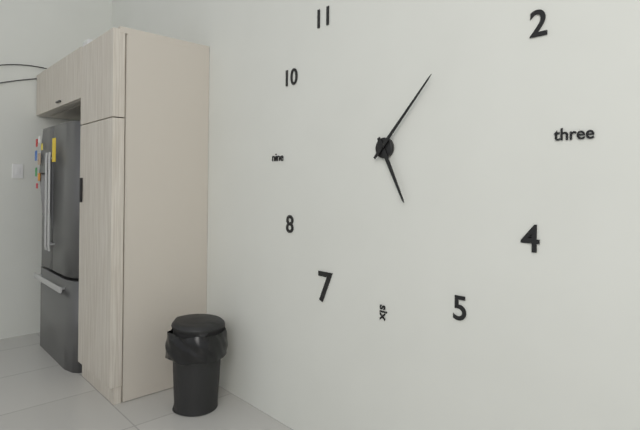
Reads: 5:07
